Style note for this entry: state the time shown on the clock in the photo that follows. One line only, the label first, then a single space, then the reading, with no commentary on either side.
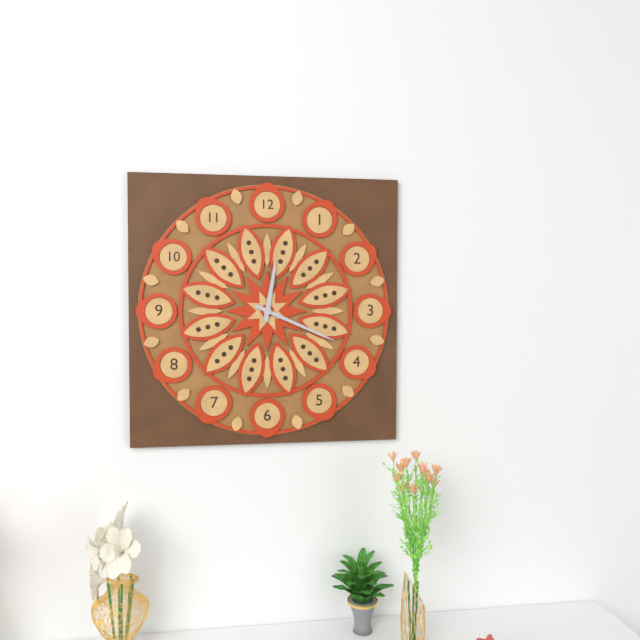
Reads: 12:19
